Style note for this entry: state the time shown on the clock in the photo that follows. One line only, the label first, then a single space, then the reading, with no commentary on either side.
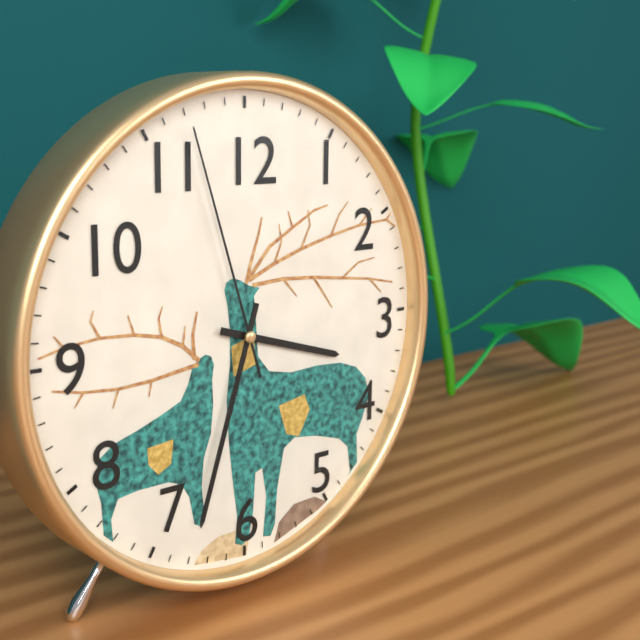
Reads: 3:33:57
